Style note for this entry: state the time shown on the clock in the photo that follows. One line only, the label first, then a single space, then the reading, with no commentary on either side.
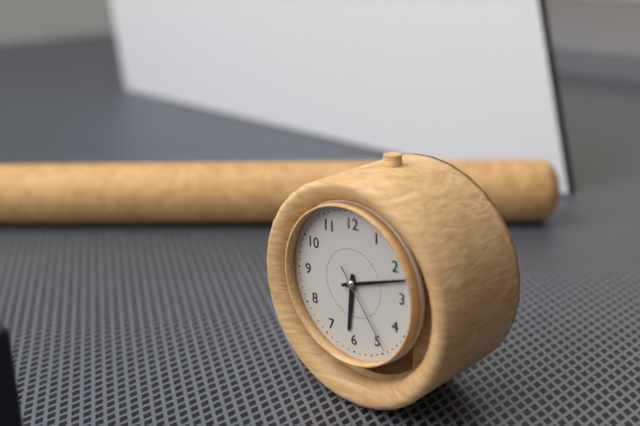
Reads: 6:12:24
